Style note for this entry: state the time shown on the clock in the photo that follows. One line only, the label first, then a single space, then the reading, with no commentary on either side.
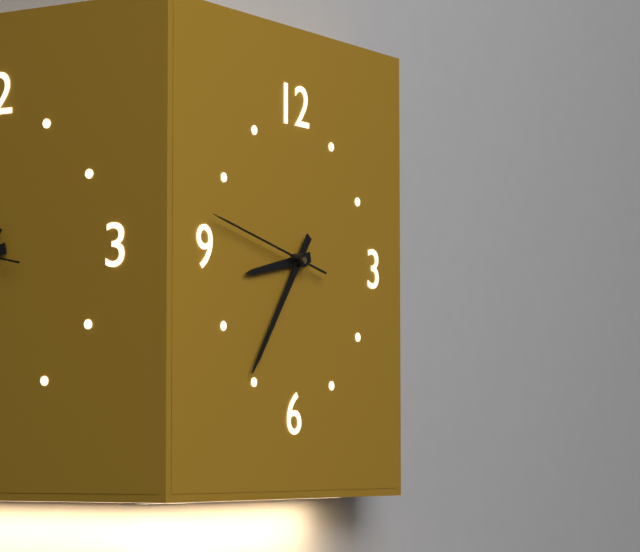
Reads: 8:36:47
